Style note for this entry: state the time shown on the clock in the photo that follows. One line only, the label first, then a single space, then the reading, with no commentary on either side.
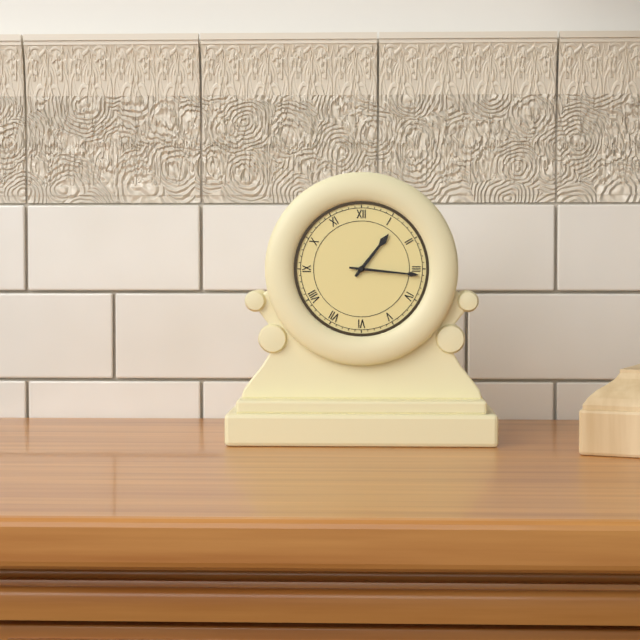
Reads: 1:16
